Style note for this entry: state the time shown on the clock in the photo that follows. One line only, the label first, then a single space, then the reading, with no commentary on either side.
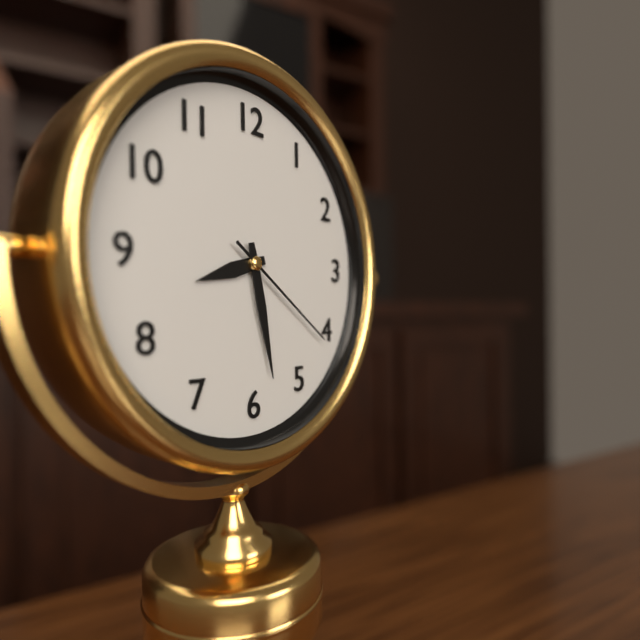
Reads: 8:28:21
